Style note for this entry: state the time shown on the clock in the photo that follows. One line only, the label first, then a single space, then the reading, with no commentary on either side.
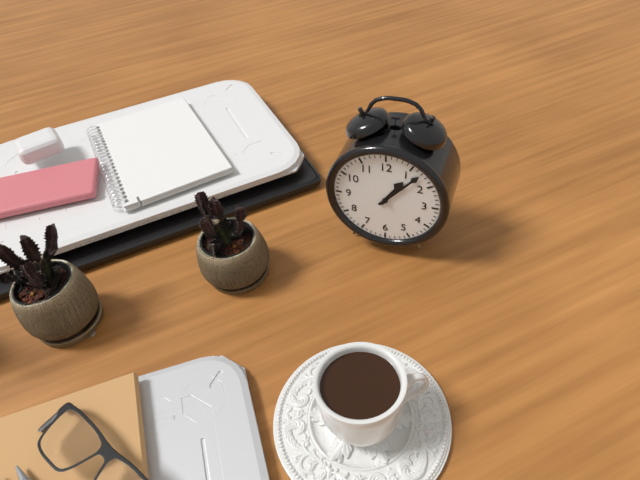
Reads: 1:07
